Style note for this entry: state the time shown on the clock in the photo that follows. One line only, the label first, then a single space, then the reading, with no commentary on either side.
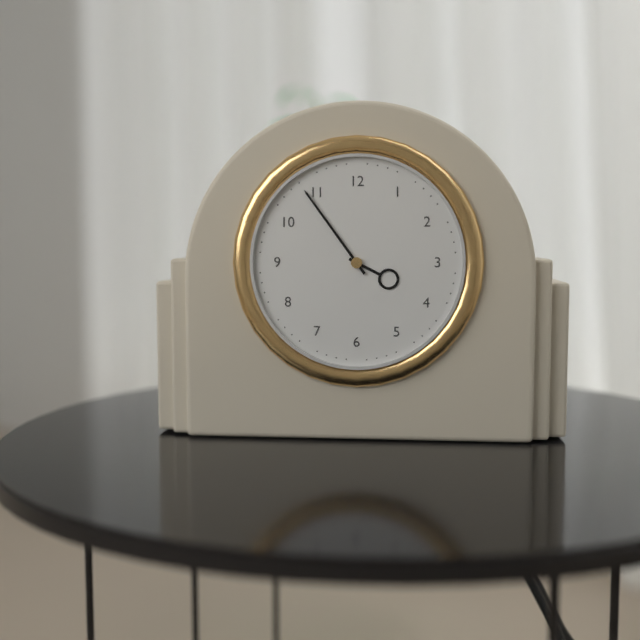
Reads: 3:54
